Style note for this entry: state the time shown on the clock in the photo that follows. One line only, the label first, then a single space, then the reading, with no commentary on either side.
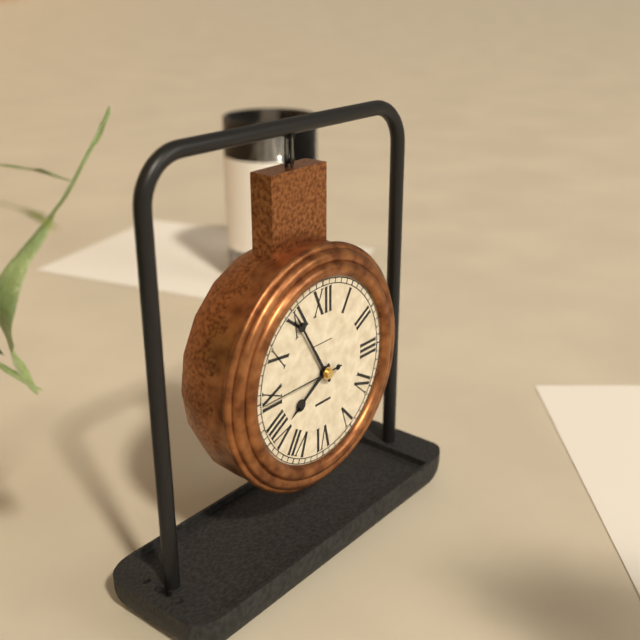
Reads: 7:55:45
